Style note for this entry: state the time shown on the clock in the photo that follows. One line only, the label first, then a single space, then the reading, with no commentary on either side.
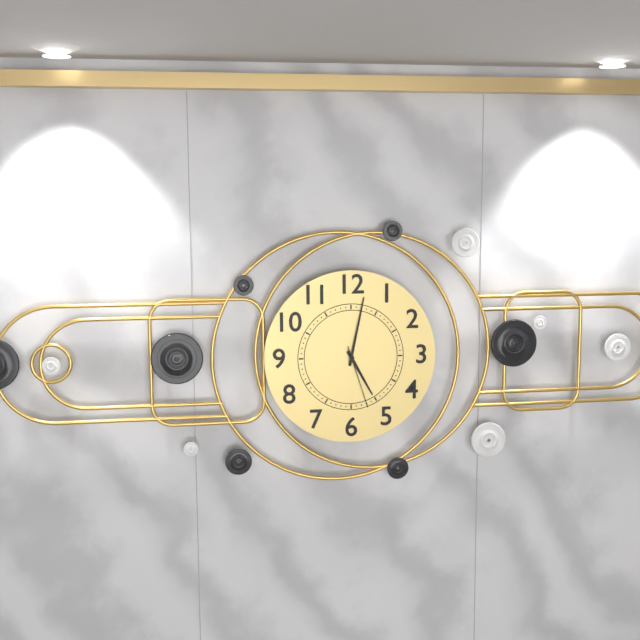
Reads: 5:02:27
